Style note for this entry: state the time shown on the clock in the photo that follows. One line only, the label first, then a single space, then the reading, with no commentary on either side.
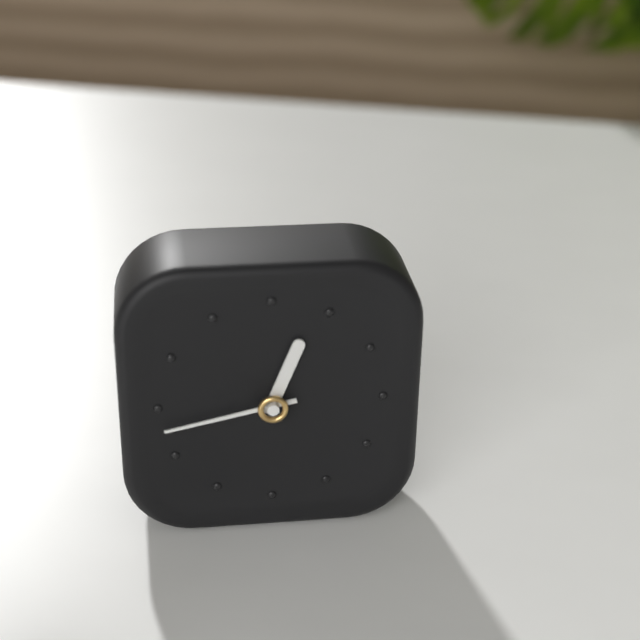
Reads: 12:43
